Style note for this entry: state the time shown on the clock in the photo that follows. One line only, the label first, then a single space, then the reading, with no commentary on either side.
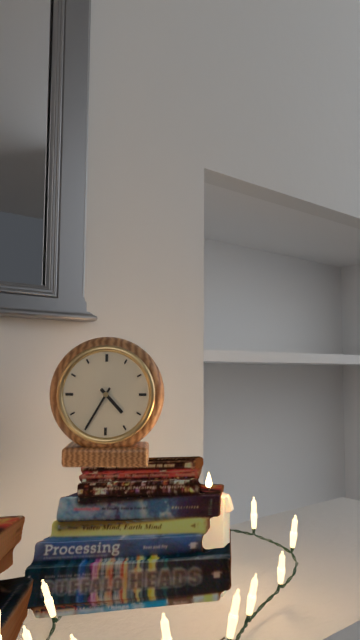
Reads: 4:35
